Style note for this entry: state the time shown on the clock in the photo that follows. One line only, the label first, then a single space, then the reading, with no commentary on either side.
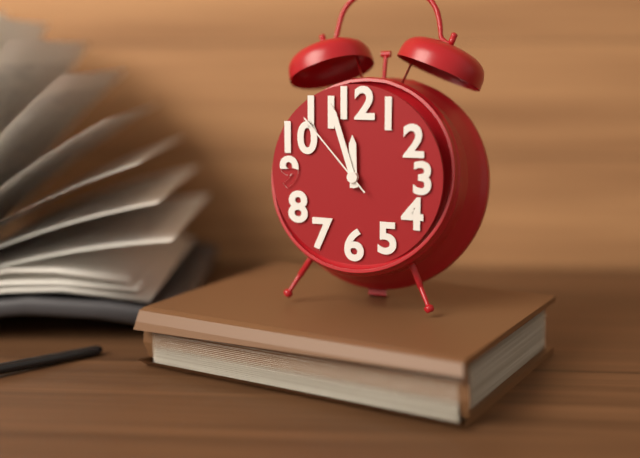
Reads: 11:57:53
